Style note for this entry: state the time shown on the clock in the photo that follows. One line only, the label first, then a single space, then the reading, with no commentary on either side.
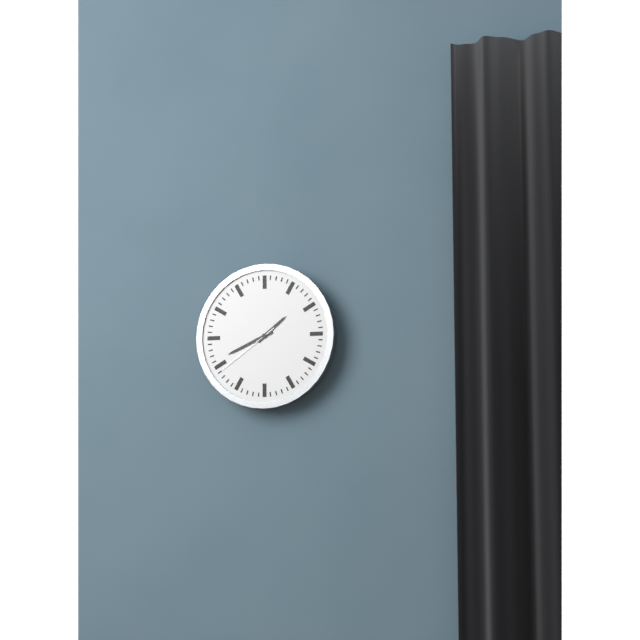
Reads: 1:41:39
